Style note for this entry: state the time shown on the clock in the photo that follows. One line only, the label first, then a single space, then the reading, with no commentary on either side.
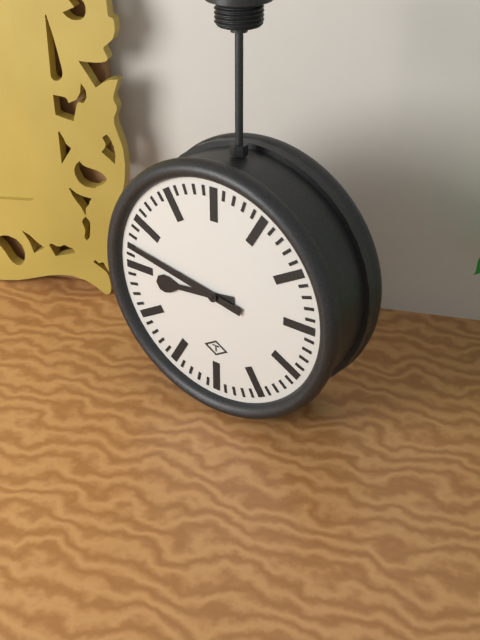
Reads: 8:47
